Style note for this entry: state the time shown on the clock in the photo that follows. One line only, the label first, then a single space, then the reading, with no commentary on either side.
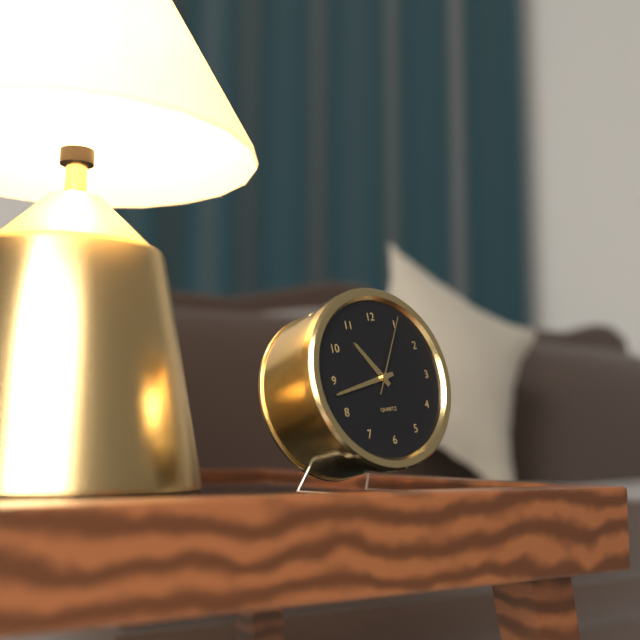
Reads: 10:43:05
